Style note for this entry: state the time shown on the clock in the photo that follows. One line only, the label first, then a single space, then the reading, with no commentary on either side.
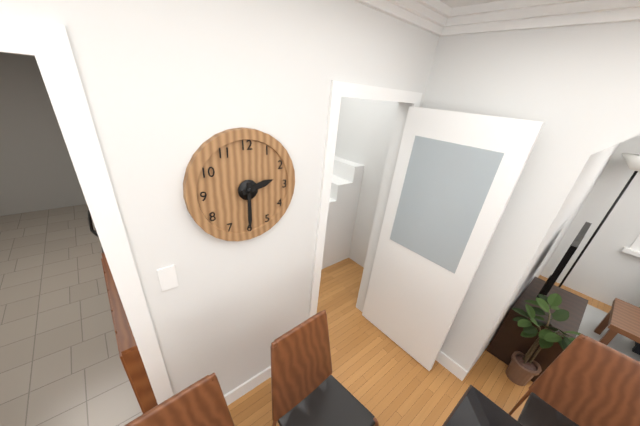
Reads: 2:30
